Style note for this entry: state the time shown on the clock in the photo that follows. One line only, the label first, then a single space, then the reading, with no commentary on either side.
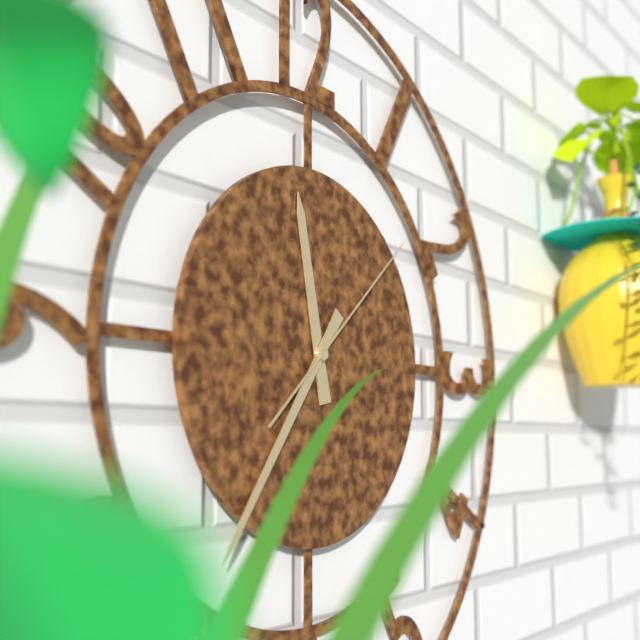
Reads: 11:36:08
